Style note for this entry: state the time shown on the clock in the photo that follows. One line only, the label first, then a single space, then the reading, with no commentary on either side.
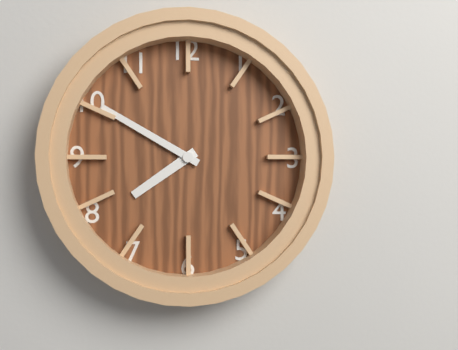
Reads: 7:50
